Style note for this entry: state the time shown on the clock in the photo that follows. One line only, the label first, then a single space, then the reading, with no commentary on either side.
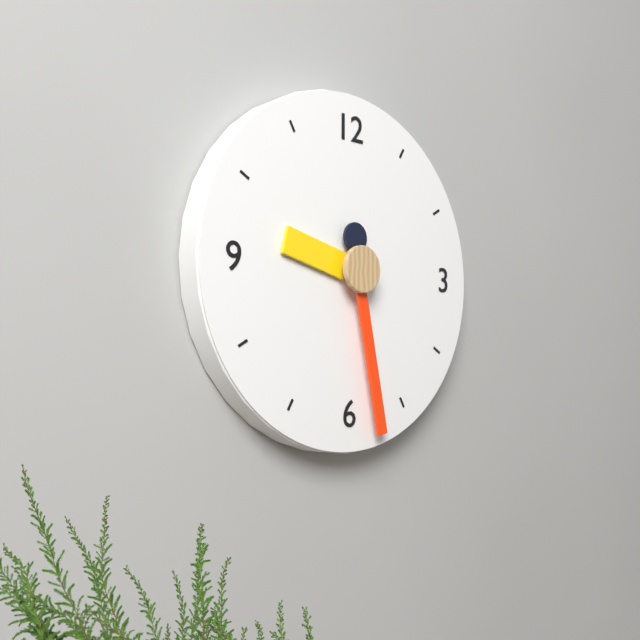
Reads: 9:28
